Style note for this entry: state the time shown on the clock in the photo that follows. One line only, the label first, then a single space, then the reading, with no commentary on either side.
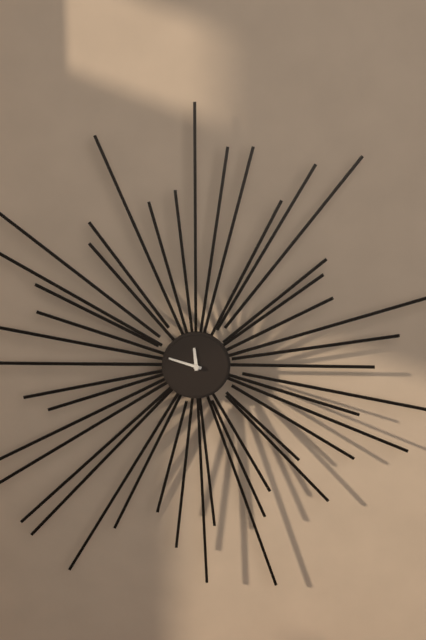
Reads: 11:48
